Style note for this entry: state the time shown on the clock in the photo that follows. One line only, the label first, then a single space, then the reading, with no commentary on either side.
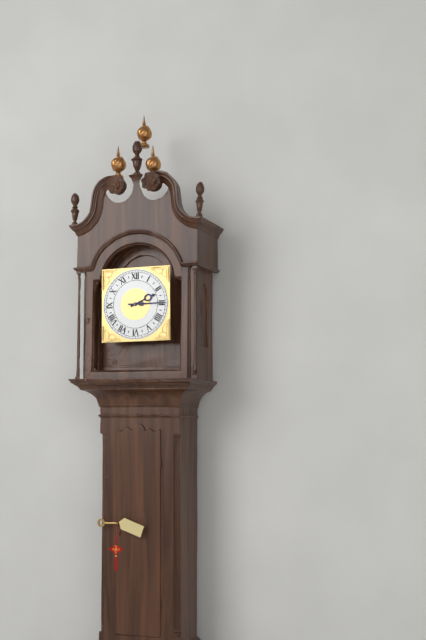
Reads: 2:15
